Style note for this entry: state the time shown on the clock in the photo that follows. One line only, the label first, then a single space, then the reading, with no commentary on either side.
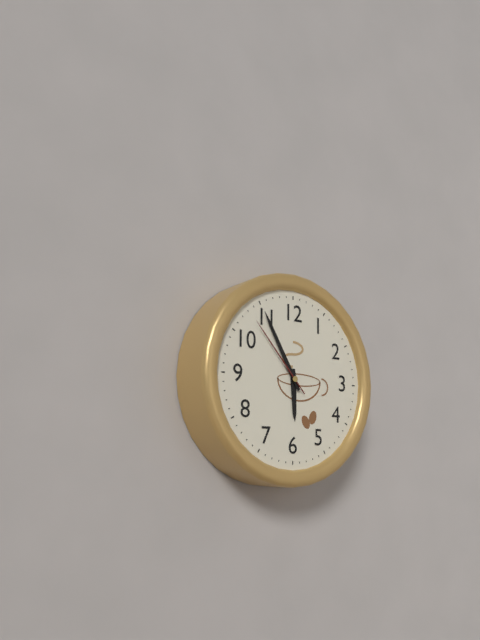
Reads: 5:55:53
